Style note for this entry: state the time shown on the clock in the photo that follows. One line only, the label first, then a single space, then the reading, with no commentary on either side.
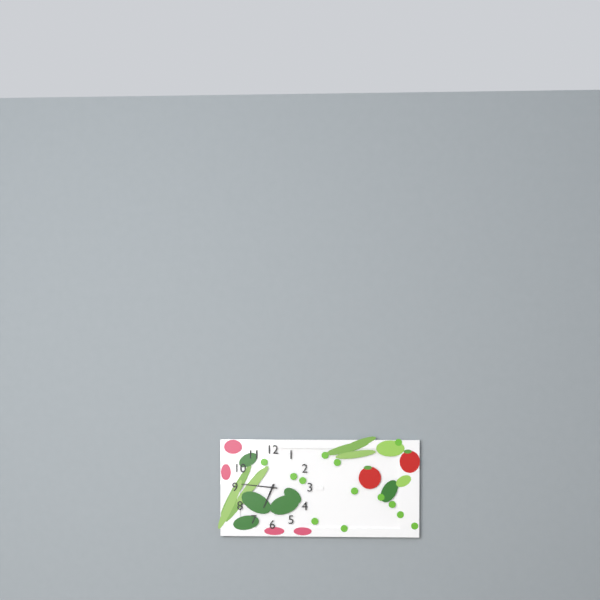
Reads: 6:46
